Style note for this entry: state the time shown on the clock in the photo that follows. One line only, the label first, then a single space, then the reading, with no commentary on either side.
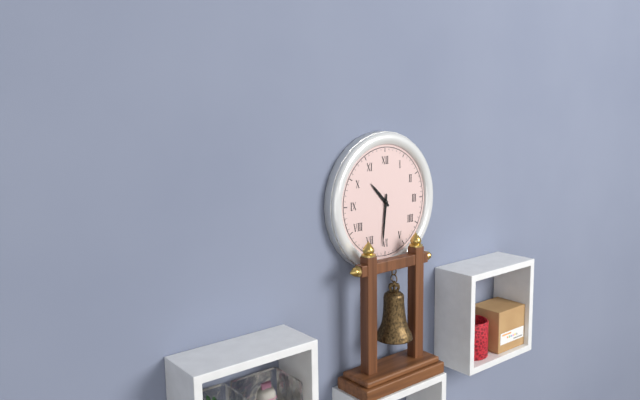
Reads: 10:31
